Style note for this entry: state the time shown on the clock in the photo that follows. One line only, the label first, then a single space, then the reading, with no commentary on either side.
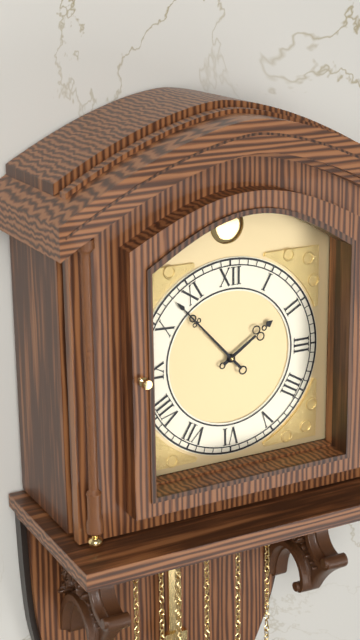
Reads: 1:53
